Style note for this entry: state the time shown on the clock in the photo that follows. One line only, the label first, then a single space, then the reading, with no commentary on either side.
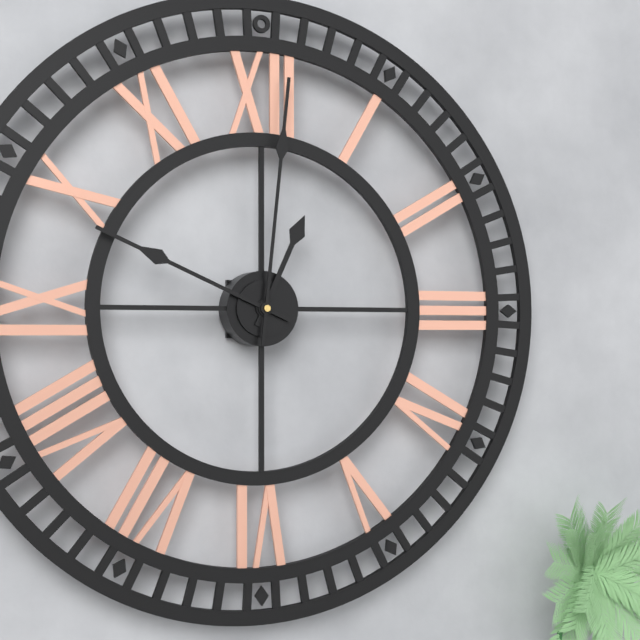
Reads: 12:49:01
